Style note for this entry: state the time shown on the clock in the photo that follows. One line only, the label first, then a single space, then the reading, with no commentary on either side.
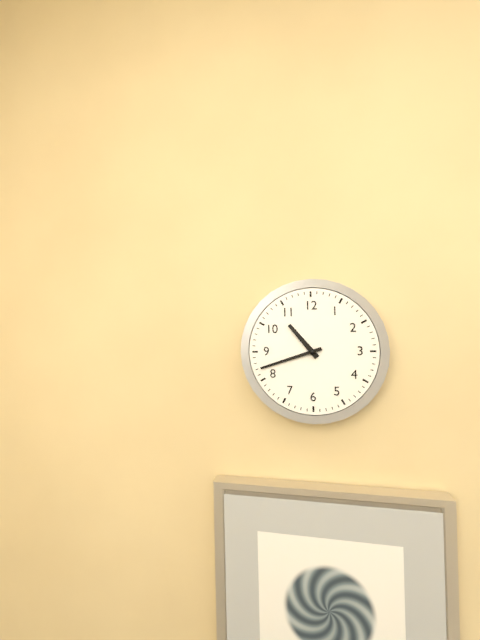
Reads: 10:42
